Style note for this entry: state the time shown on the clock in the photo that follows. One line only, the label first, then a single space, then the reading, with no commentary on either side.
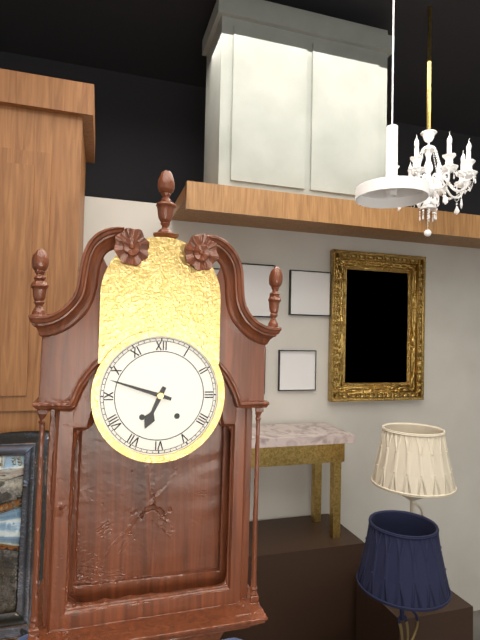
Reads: 6:48
